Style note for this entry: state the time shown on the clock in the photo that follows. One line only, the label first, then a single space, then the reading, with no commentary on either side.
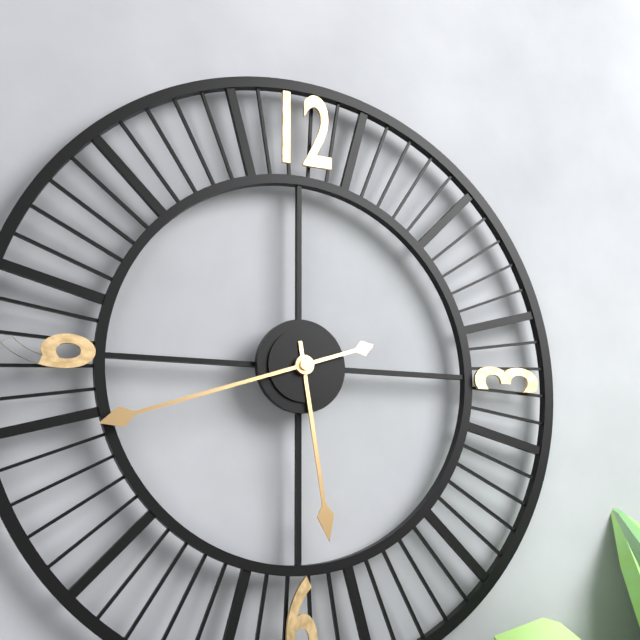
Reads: 5:42
